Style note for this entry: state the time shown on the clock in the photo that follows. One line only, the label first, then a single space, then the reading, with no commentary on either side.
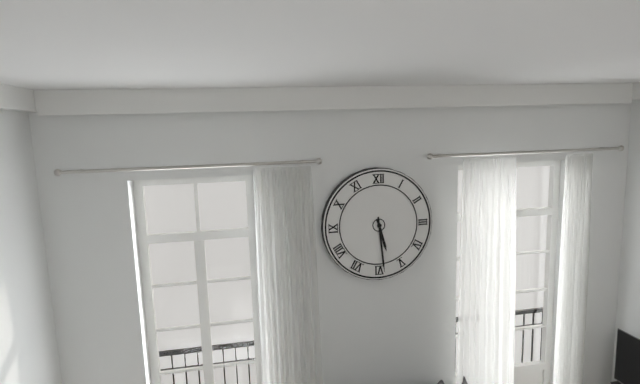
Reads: 5:29
